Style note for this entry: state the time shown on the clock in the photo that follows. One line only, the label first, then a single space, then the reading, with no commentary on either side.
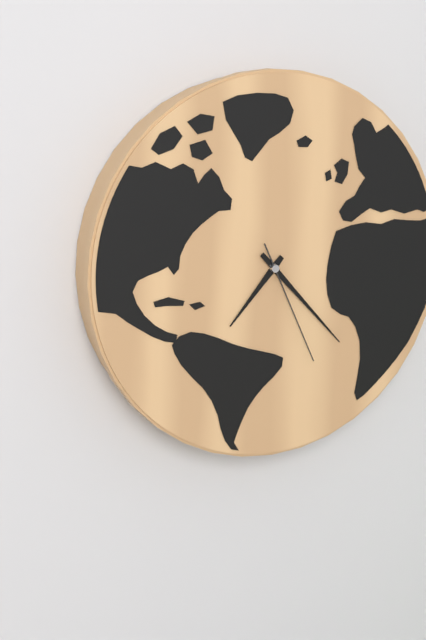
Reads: 7:23:26
